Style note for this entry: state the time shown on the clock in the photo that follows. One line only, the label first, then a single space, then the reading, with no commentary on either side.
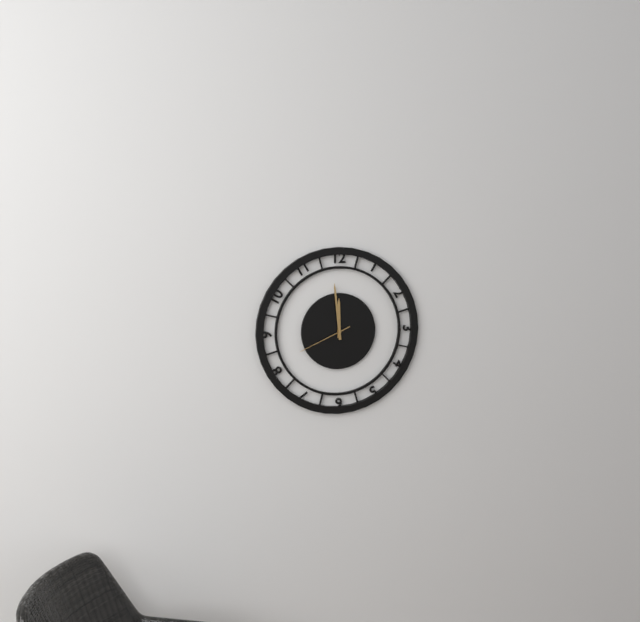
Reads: 11:59:41
